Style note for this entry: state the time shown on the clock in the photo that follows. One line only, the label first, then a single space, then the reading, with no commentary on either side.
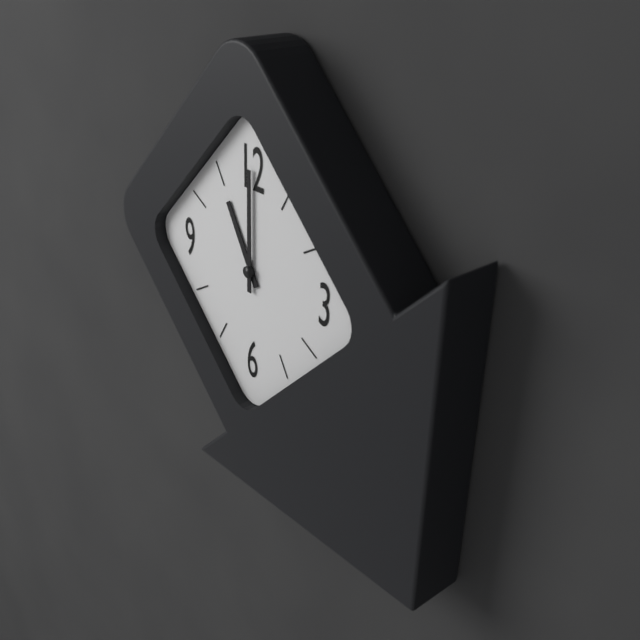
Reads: 11:00
